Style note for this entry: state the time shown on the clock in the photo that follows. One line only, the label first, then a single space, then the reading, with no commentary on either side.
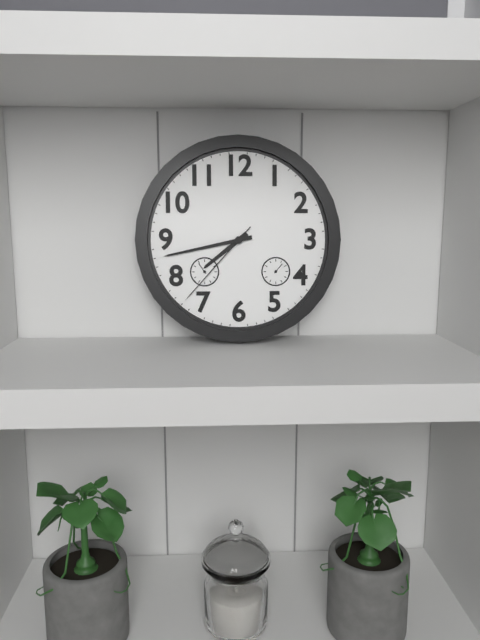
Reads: 7:43:37
